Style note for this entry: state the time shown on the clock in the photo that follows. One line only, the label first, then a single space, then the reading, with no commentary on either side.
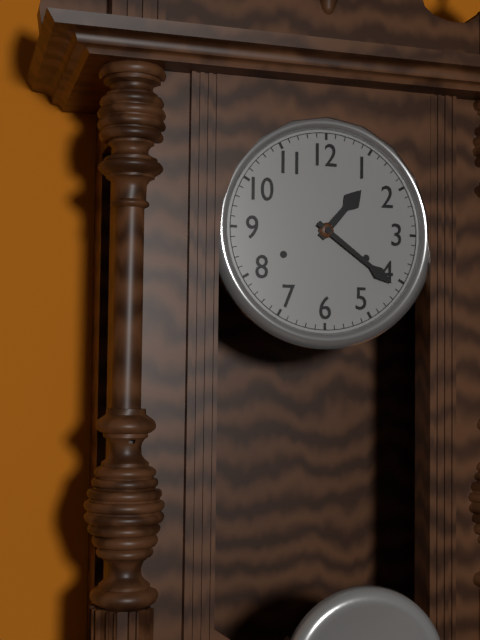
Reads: 1:21
